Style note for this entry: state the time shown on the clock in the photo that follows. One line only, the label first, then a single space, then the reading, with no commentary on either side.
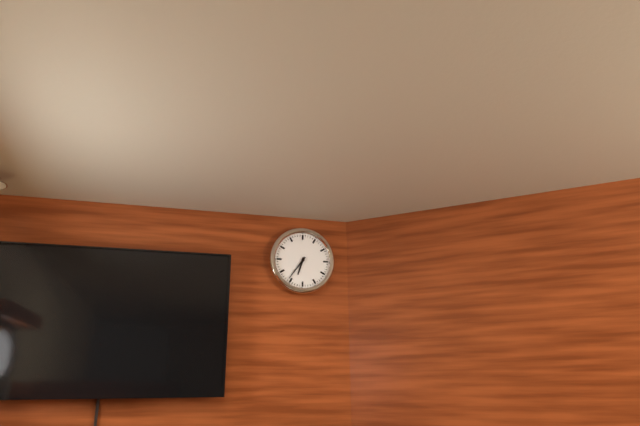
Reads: 6:36
